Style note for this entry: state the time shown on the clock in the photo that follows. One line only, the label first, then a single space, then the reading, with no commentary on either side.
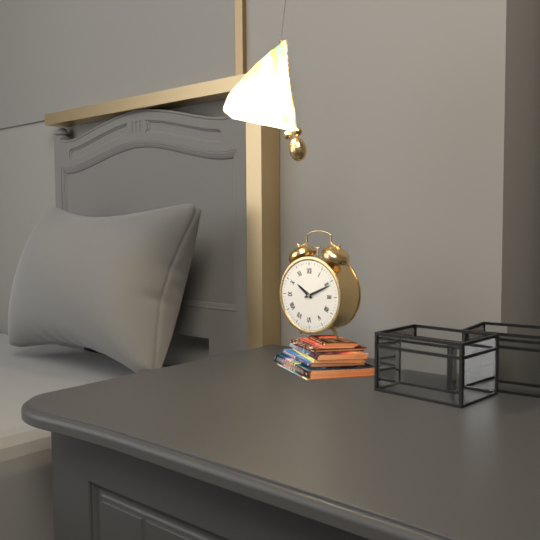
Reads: 10:11
